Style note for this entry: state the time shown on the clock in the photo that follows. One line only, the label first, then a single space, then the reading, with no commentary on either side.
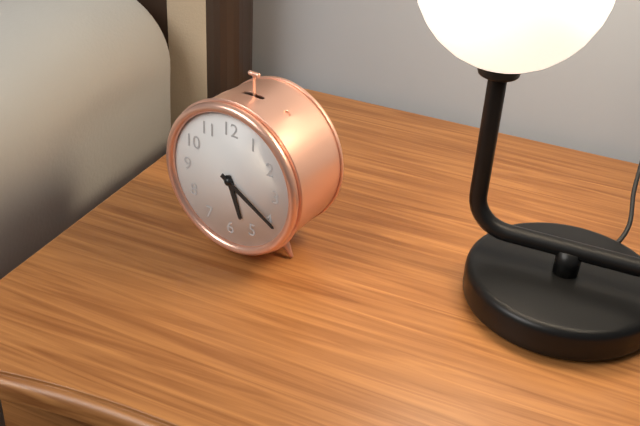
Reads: 5:20
